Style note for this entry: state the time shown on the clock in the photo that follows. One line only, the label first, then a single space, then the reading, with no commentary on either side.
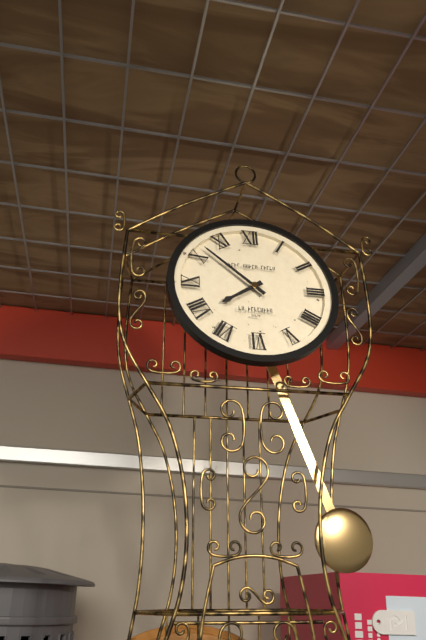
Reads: 7:52
